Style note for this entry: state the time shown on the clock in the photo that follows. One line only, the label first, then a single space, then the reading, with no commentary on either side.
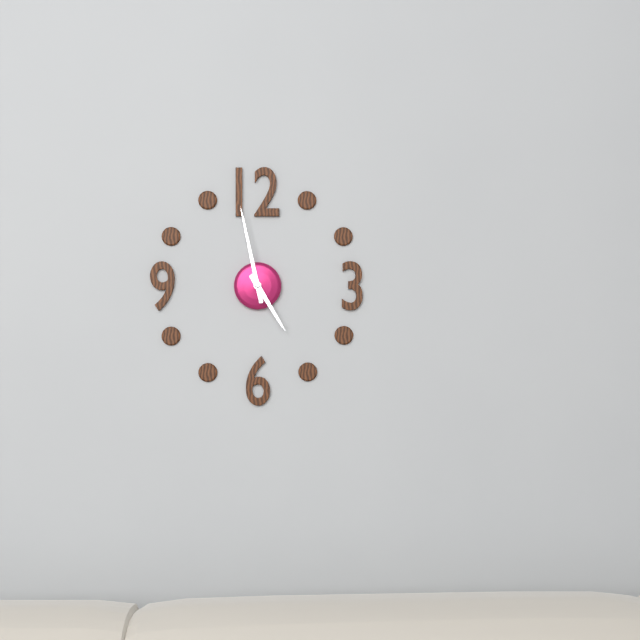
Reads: 4:58
